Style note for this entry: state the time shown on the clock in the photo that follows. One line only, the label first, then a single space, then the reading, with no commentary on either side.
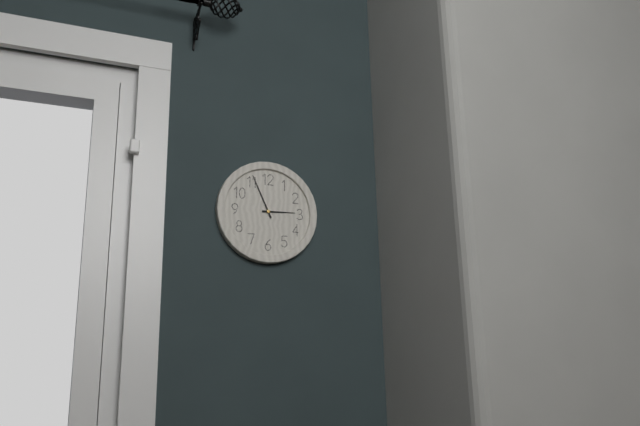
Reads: 2:56
